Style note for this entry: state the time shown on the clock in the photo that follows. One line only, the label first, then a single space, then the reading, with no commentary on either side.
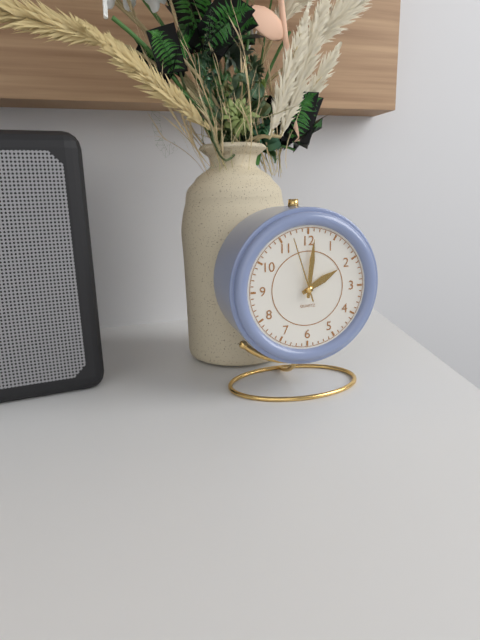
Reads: 2:01:57
